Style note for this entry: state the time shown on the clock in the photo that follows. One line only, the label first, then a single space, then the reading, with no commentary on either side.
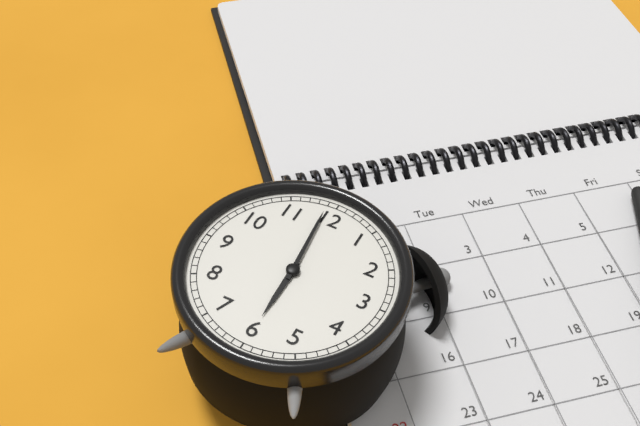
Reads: 5:59
